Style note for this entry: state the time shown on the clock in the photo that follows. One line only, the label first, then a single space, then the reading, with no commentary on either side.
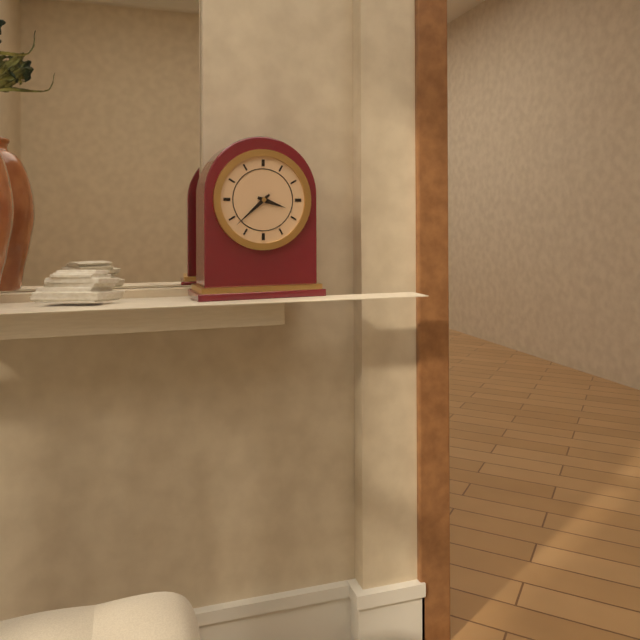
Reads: 3:38
